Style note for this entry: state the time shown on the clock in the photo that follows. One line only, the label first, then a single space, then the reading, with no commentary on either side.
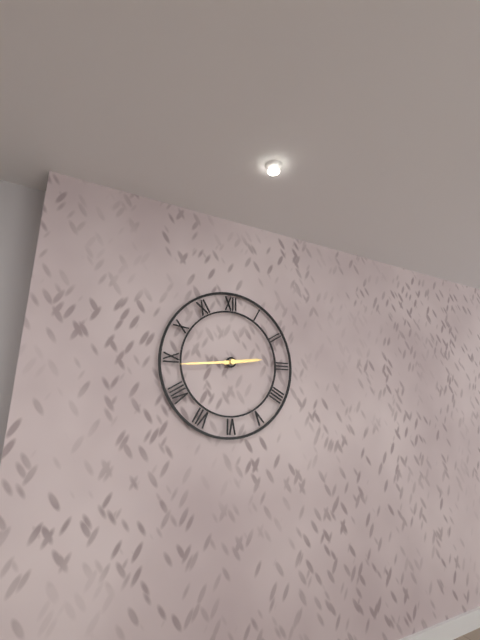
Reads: 2:44
